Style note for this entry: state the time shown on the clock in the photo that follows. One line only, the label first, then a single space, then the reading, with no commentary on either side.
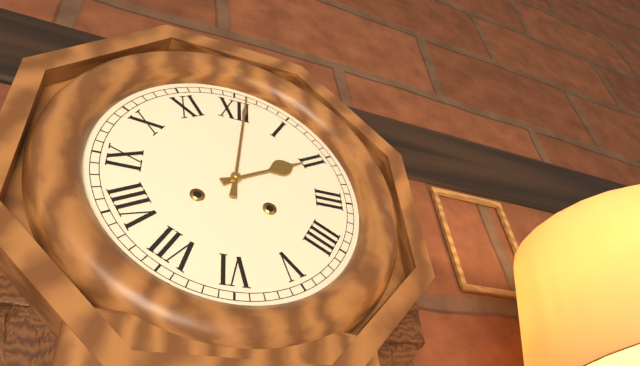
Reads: 2:01
